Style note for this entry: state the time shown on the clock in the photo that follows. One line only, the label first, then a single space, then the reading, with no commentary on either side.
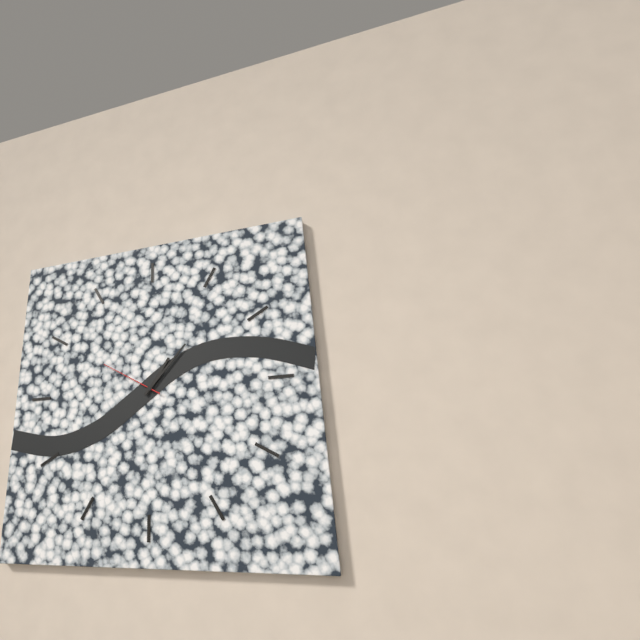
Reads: 1:07:50
